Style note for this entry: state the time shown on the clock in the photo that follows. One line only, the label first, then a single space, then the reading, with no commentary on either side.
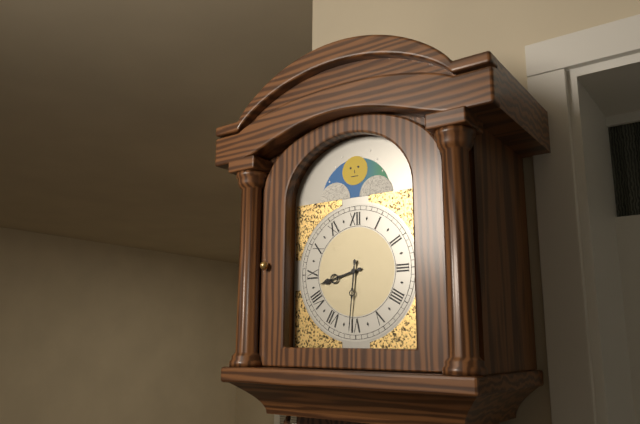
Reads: 8:31
